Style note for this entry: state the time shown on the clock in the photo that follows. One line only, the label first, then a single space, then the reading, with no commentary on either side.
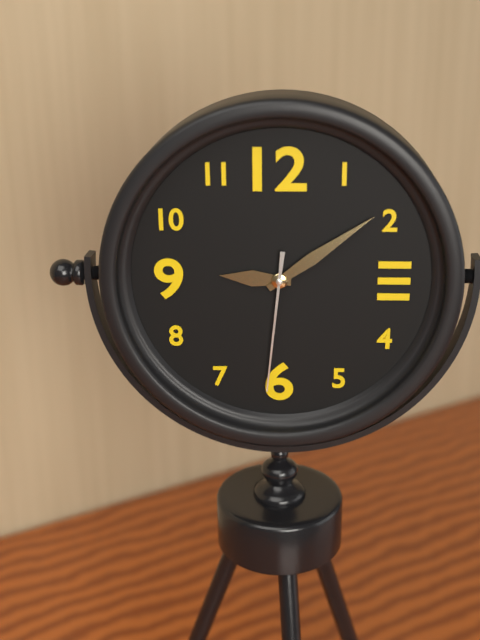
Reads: 9:09:31
